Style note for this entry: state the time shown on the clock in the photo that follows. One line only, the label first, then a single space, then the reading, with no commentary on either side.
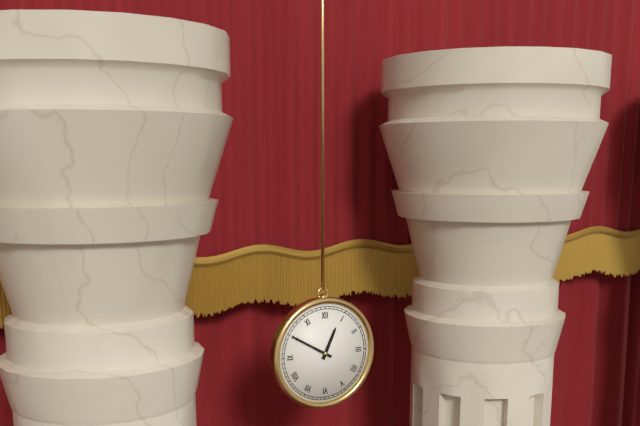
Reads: 12:50
